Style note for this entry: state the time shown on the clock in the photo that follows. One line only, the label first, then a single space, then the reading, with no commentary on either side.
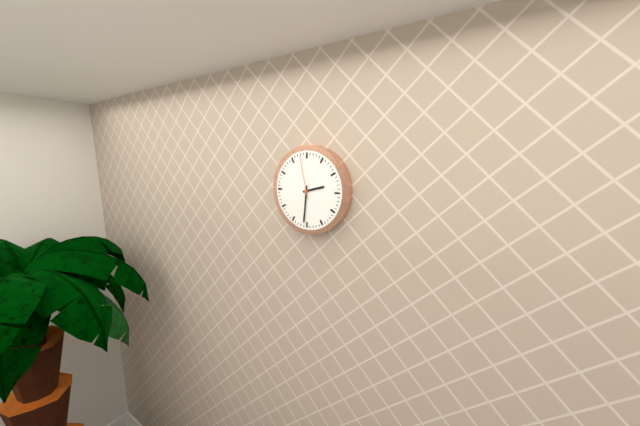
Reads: 2:31
